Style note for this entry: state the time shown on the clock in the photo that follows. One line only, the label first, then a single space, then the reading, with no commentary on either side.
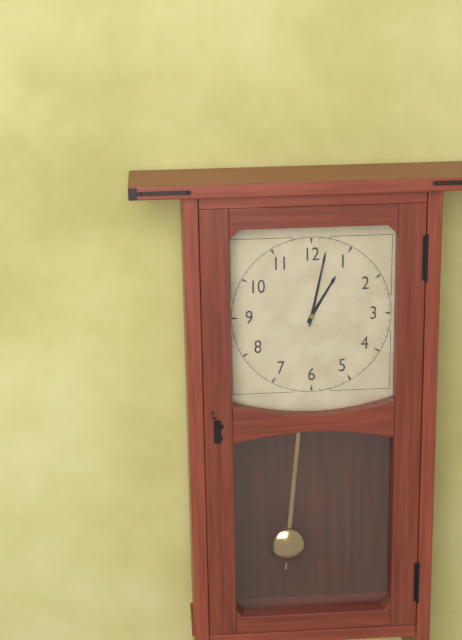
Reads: 1:02
